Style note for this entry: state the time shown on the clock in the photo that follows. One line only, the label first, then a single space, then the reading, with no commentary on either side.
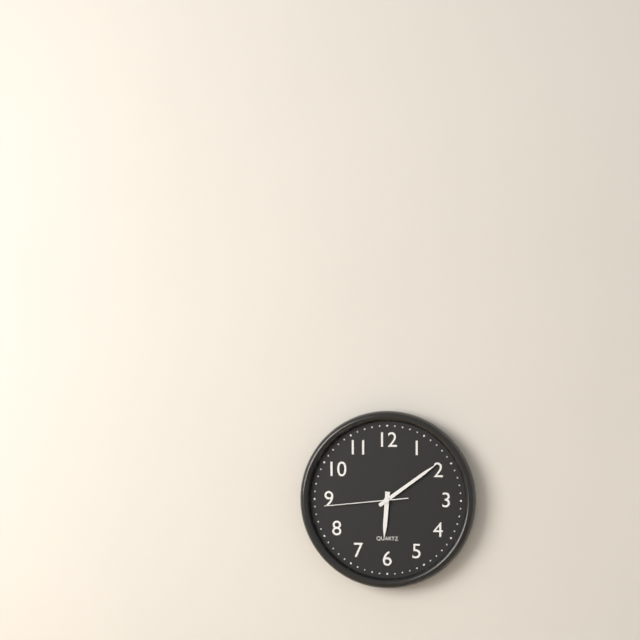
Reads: 6:09:44
